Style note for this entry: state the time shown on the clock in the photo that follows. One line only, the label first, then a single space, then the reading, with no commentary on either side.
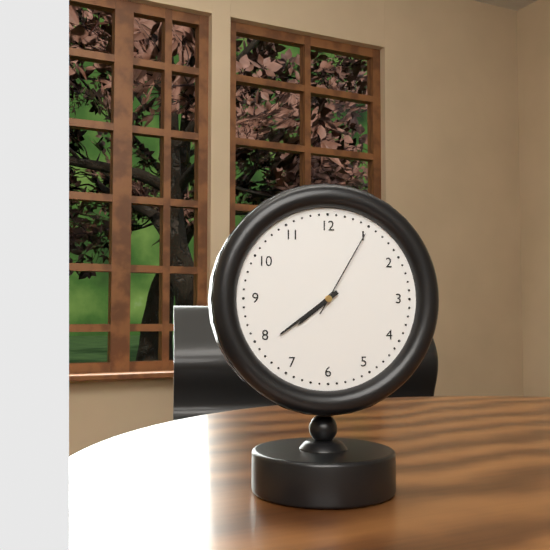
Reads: 7:39:05
